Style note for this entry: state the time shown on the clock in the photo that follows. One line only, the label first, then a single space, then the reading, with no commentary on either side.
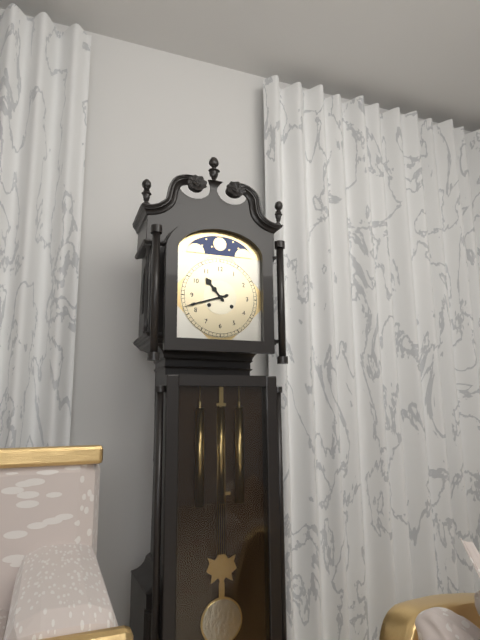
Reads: 10:42
